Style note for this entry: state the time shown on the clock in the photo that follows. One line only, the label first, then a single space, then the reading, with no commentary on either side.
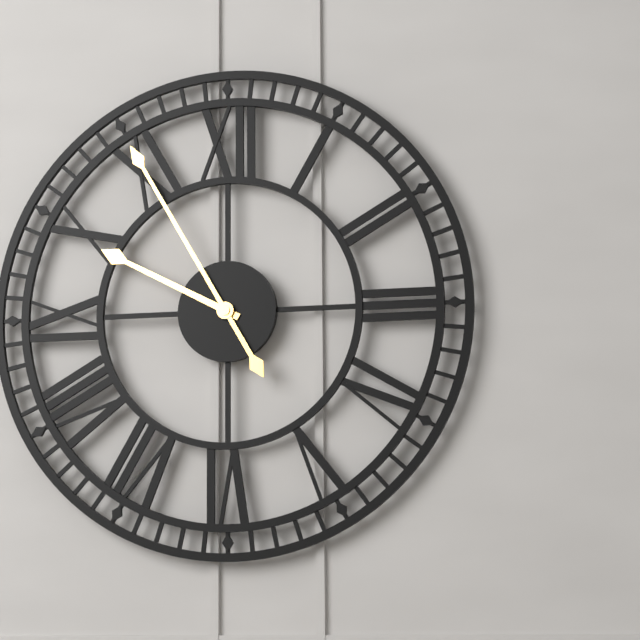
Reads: 9:55
